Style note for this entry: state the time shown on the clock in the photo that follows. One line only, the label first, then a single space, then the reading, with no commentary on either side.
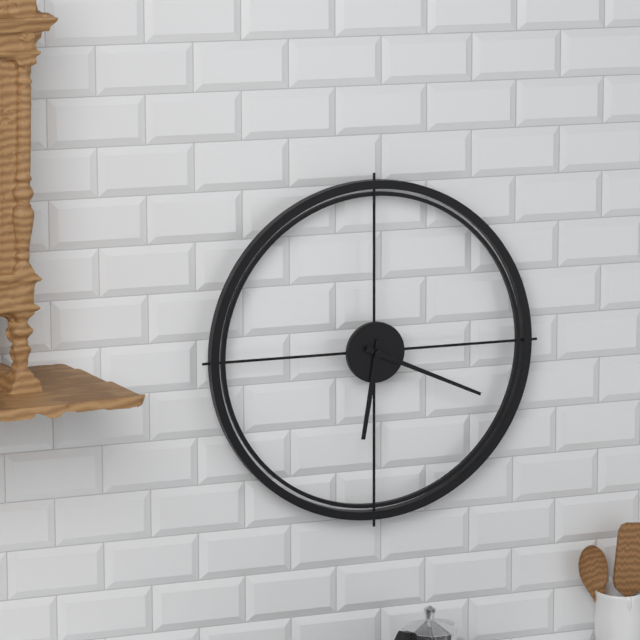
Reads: 6:19
